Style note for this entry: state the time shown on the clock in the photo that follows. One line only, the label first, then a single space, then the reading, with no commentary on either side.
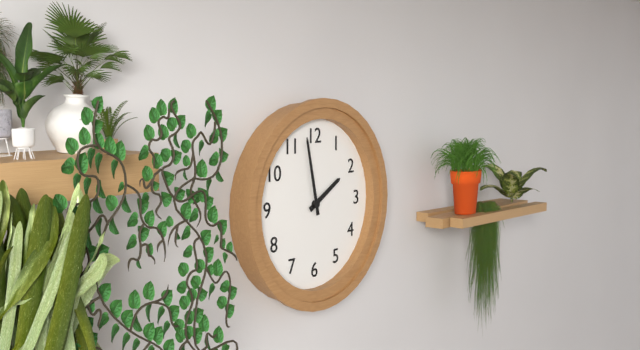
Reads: 1:58
